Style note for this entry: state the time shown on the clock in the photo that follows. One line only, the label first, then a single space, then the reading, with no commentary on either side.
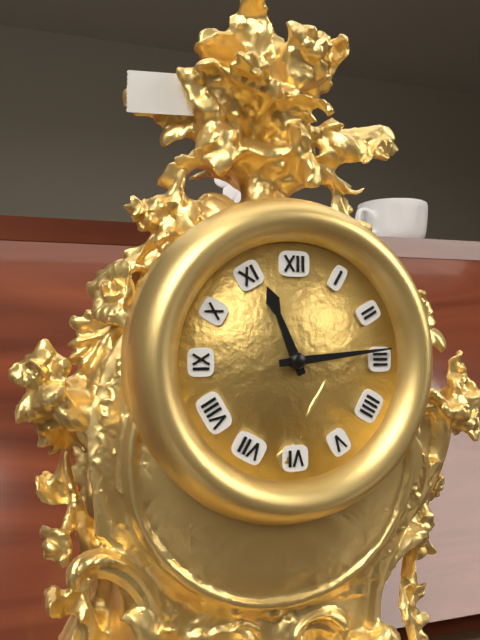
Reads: 11:14
